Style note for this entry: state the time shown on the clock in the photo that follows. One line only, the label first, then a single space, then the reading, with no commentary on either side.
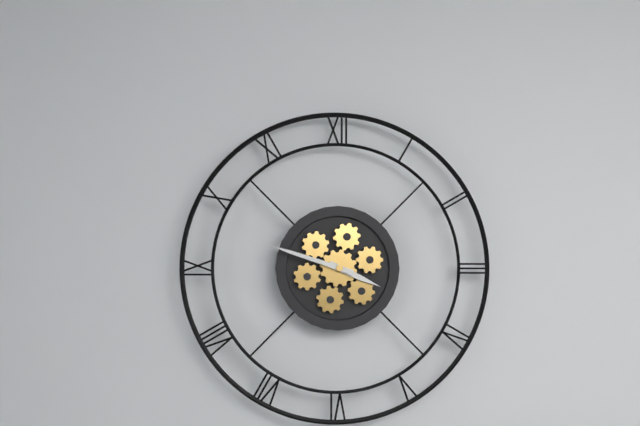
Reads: 3:48
